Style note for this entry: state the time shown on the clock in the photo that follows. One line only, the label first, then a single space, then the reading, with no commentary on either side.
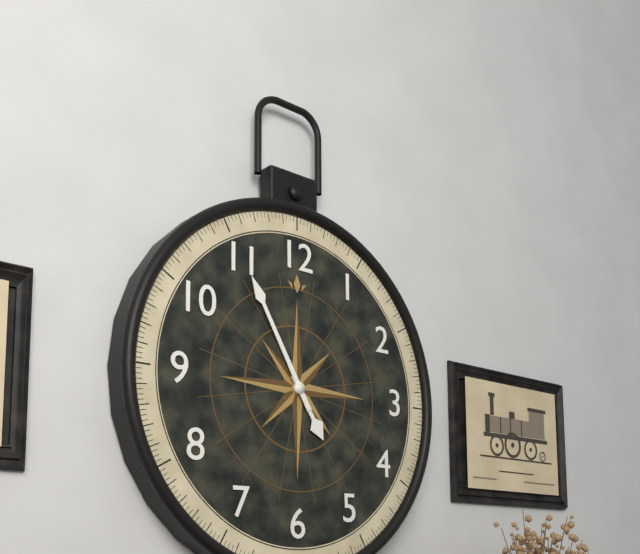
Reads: 4:55
